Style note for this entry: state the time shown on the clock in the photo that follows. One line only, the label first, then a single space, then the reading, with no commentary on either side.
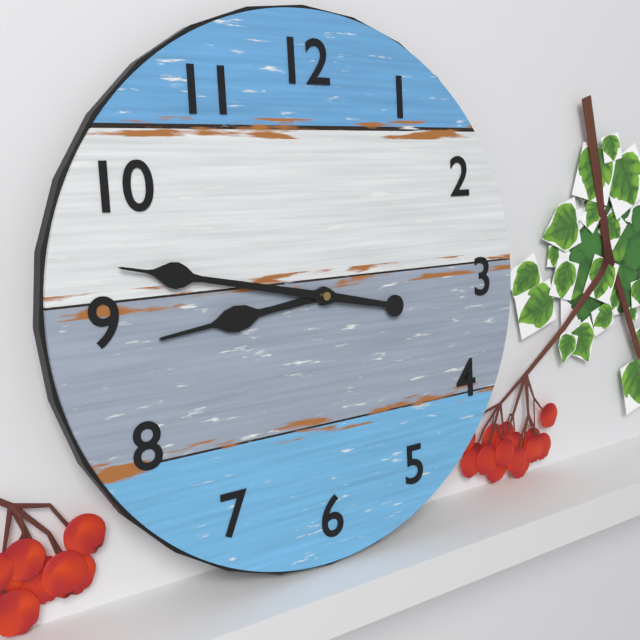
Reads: 8:47
